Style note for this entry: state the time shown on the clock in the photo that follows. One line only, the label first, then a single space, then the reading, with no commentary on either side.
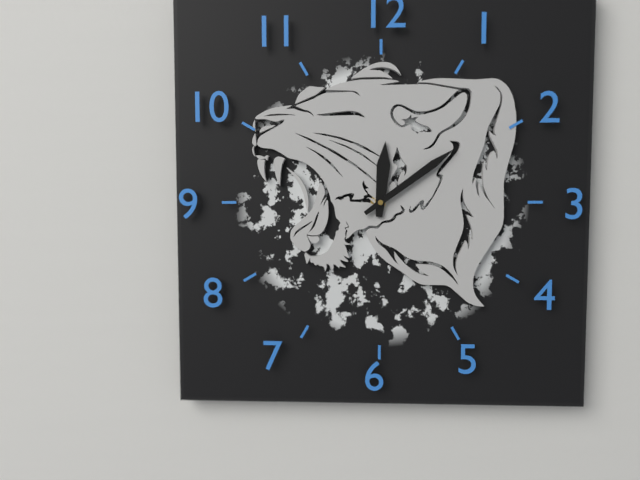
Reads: 12:09
